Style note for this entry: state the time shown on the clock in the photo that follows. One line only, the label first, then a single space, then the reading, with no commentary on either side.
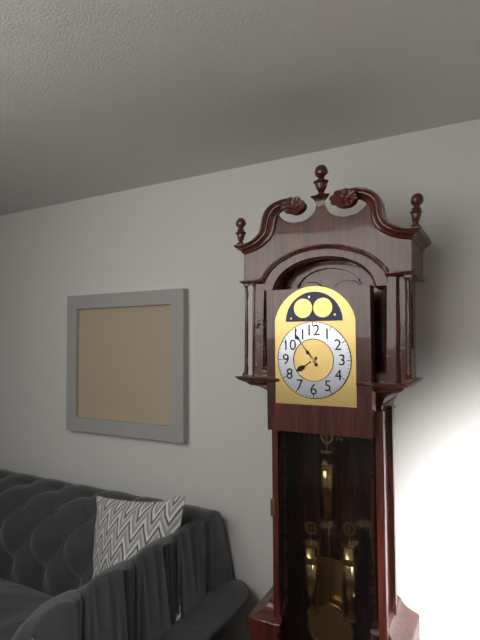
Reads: 7:54
